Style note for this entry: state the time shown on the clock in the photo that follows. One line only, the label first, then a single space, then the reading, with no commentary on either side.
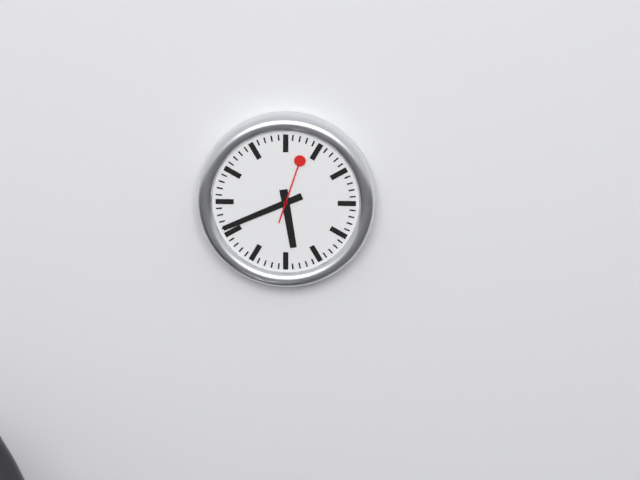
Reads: 5:41:03
